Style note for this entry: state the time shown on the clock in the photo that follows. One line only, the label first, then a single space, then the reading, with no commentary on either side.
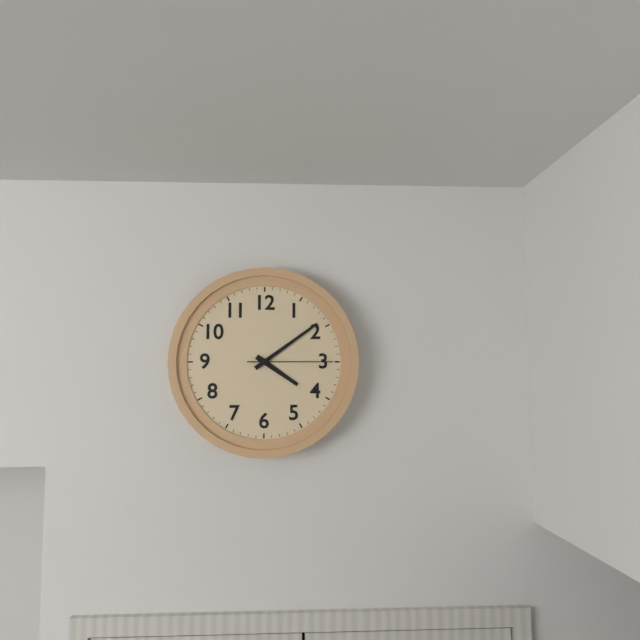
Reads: 4:09:15
